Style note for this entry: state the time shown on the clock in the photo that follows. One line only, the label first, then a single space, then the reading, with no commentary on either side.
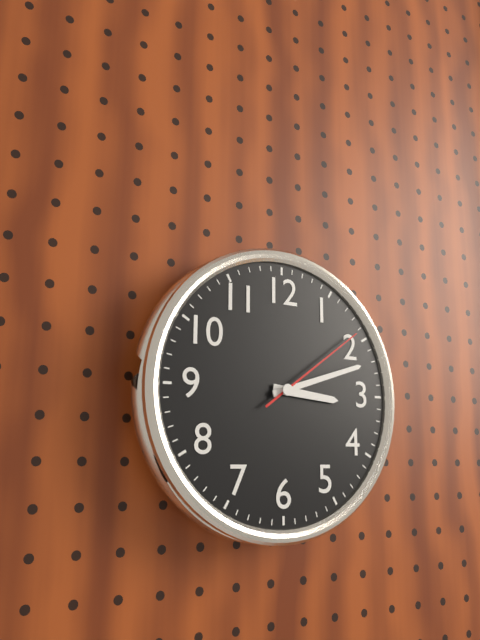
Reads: 3:12:09
